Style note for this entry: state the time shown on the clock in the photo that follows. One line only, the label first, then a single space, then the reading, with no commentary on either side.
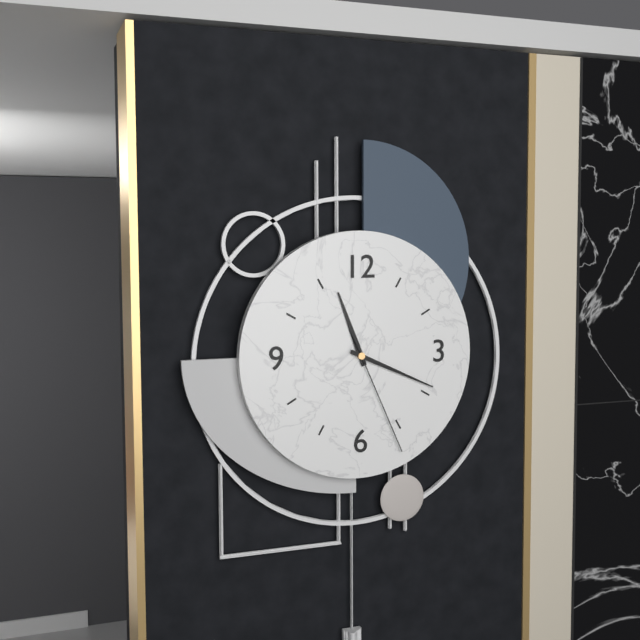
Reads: 11:19:26
